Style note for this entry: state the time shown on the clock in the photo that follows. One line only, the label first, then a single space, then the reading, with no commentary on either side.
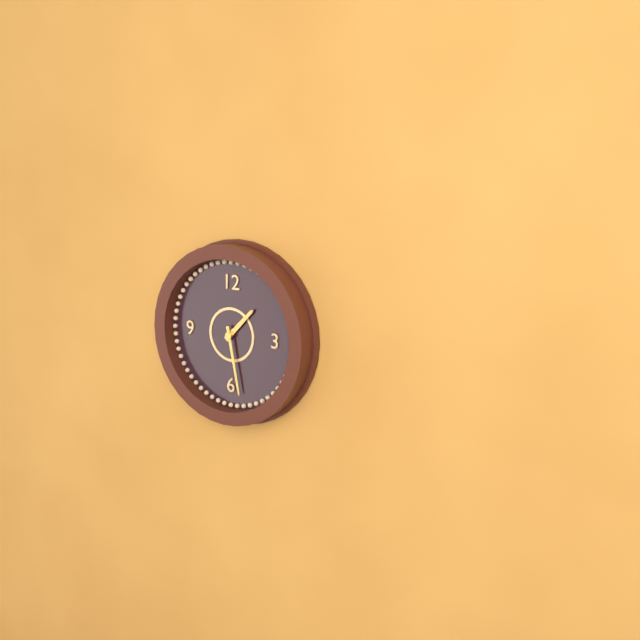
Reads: 1:28
